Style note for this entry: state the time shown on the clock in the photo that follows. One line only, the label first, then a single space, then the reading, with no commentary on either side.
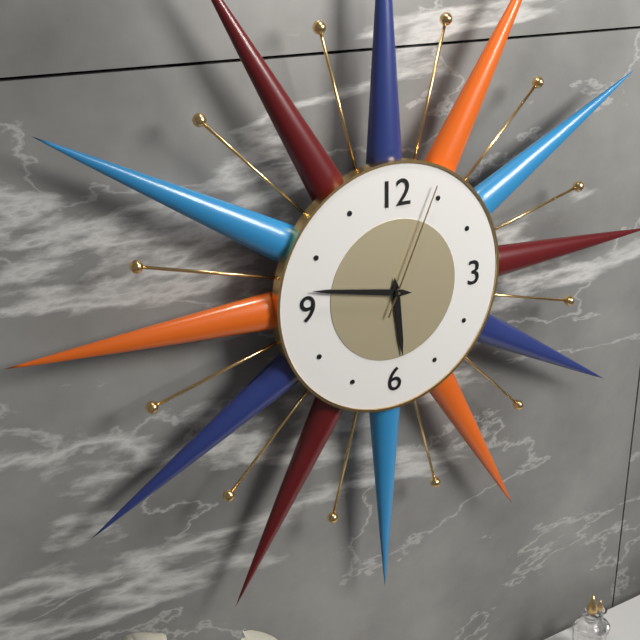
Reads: 5:47:04
